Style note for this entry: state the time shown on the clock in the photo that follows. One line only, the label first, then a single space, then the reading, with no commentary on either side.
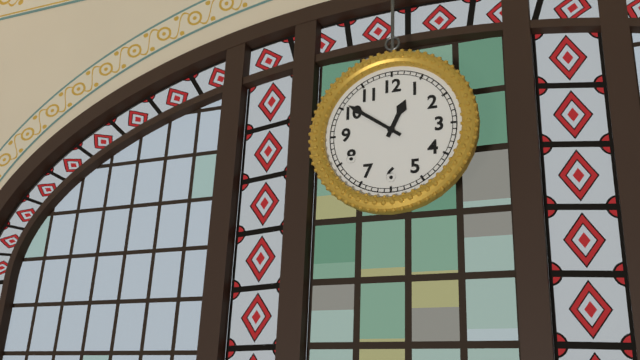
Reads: 12:51
